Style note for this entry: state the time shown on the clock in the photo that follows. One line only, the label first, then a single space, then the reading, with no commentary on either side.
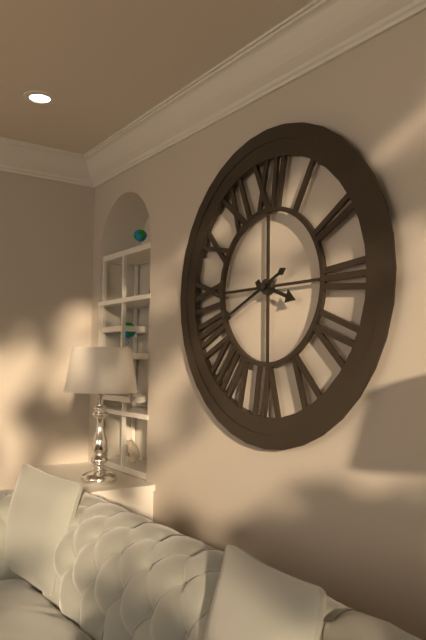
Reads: 3:41
